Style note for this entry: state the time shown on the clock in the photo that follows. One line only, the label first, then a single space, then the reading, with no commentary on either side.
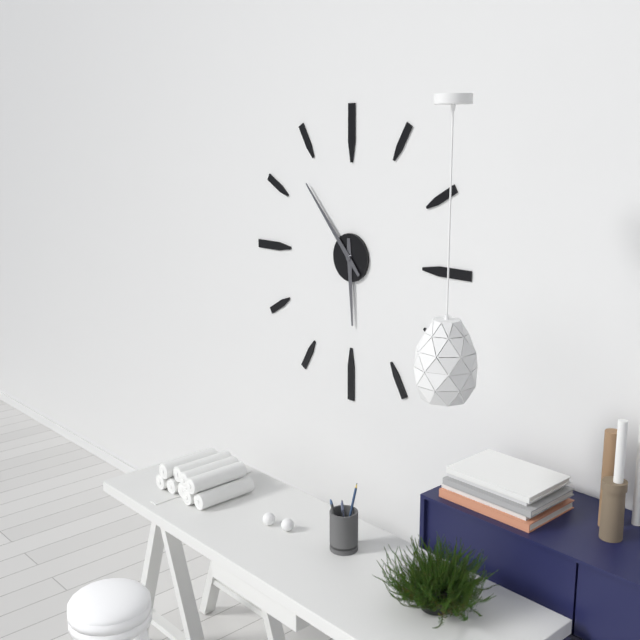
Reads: 5:53
